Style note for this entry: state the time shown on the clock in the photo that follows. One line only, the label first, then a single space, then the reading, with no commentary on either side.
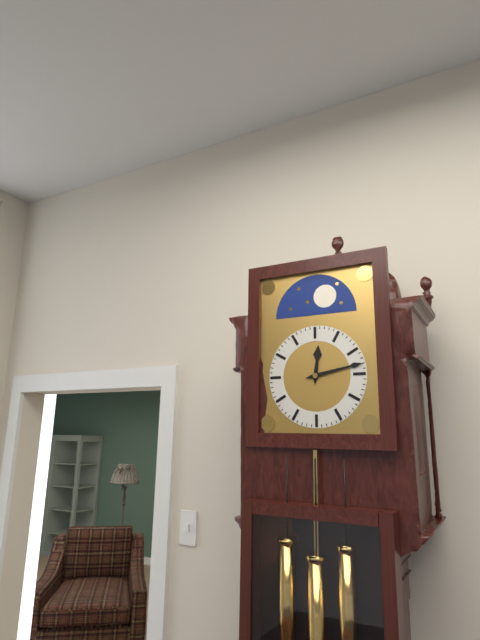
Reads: 12:13
